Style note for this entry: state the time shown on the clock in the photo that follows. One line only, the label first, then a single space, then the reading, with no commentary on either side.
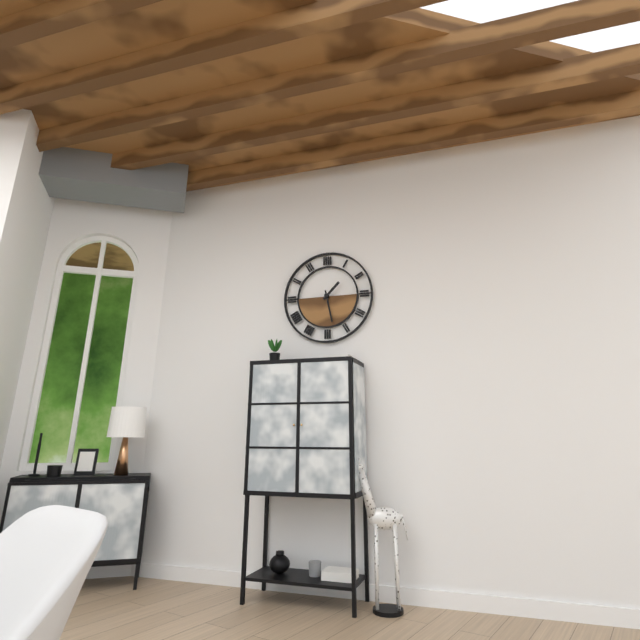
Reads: 1:28
